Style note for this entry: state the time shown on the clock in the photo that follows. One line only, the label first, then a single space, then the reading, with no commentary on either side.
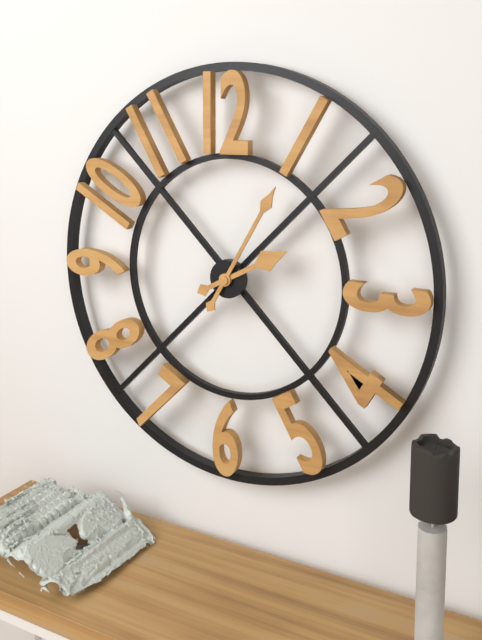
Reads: 2:05
